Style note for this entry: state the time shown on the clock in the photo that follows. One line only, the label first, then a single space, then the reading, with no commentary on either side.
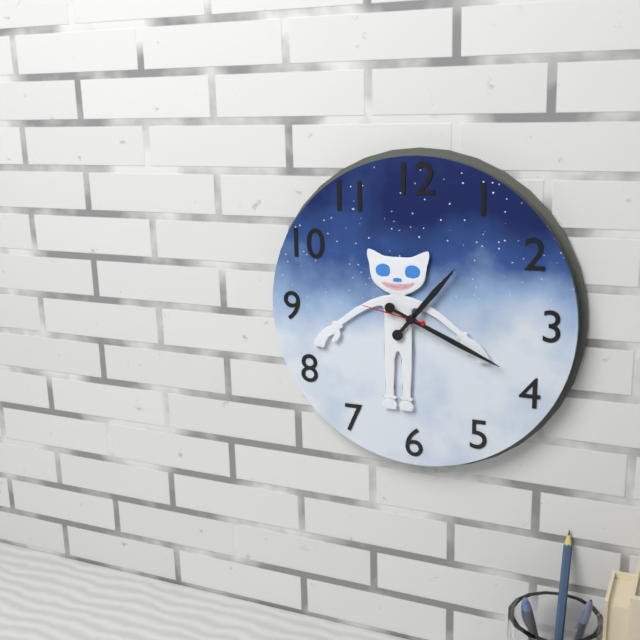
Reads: 1:19:47
